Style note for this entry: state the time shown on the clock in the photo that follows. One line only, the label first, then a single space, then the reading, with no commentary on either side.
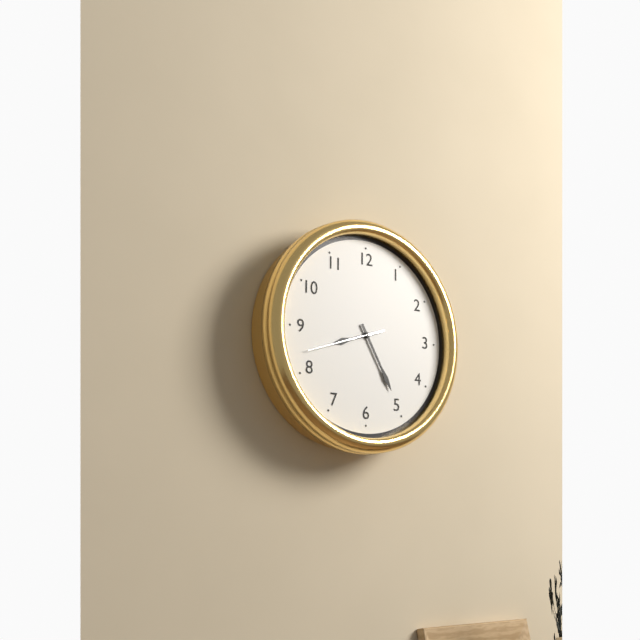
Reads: 8:25:42
